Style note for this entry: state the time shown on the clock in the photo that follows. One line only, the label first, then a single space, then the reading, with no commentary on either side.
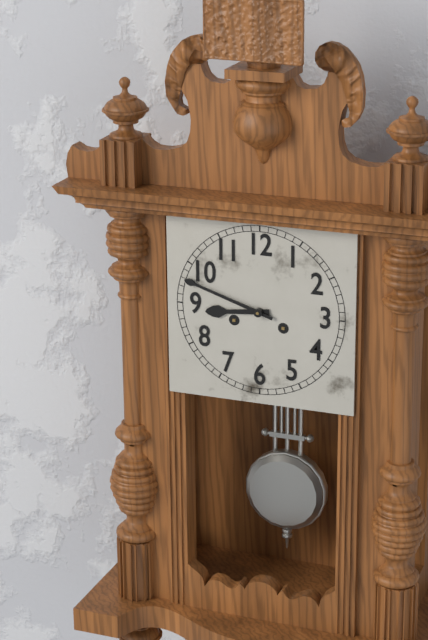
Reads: 8:48
